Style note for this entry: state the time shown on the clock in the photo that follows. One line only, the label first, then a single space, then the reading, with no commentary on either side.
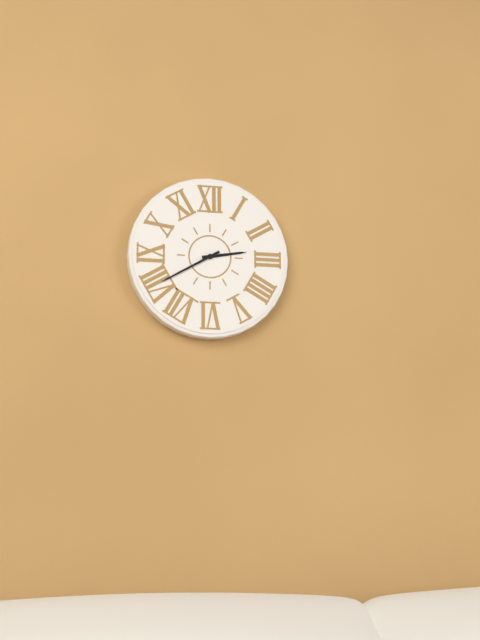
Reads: 2:40
